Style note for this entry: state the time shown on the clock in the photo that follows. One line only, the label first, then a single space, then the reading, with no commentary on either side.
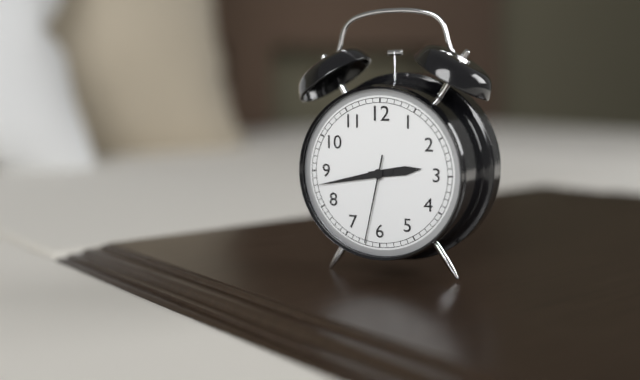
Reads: 2:43:32
